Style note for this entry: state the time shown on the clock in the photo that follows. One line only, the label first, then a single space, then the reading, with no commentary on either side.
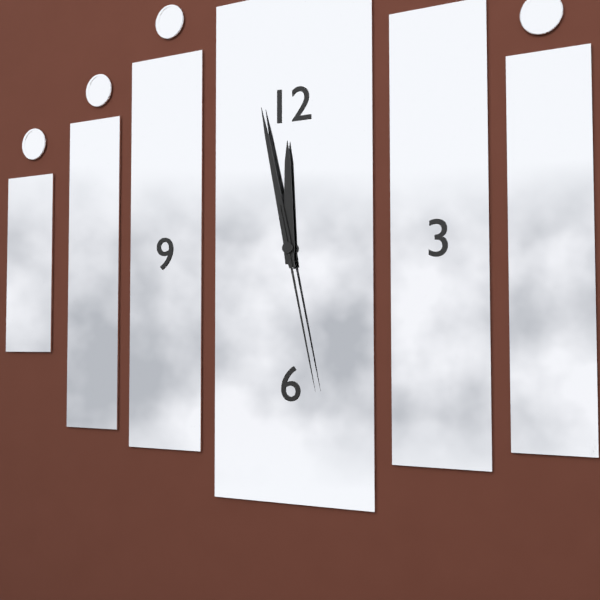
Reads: 11:58:28
